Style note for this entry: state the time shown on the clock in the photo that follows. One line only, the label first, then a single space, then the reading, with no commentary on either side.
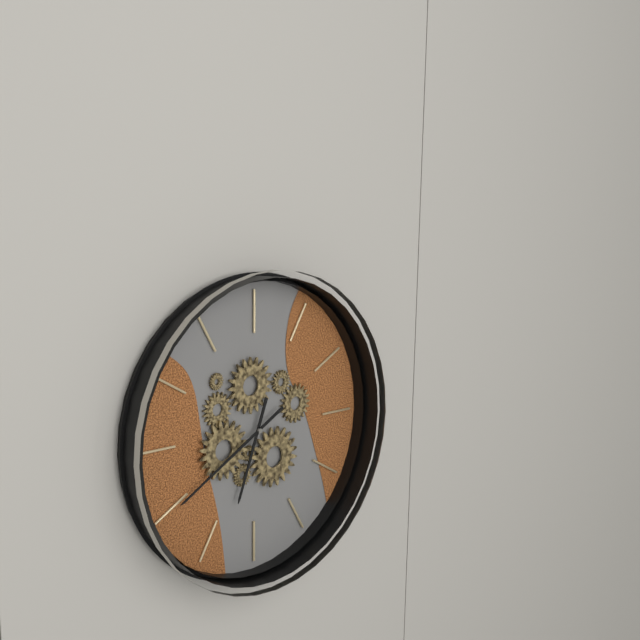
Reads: 6:40
